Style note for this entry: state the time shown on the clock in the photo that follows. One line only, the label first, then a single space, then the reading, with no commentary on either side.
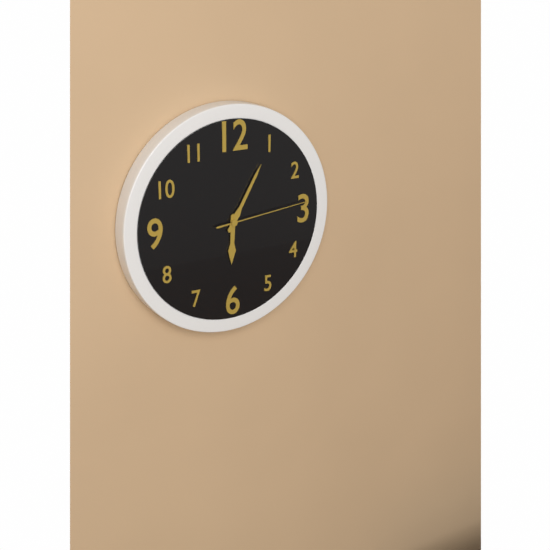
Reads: 6:05:14
